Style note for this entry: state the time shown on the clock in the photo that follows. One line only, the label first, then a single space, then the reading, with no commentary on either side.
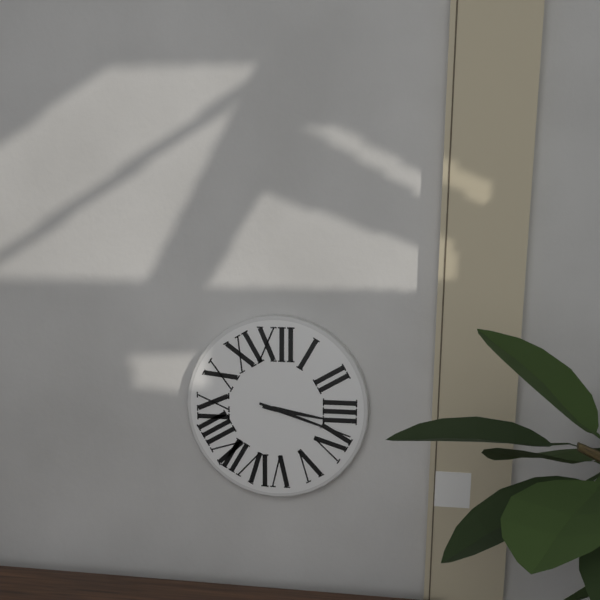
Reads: 3:18
